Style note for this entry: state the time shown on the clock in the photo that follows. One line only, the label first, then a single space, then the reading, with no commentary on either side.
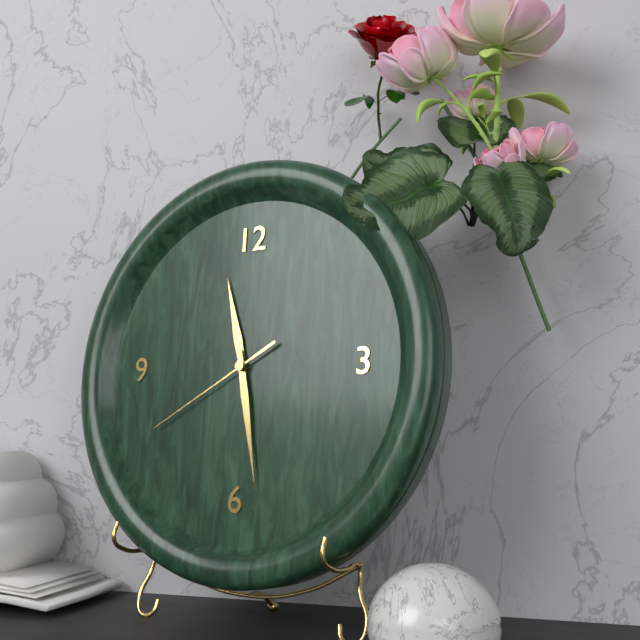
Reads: 11:28:40
